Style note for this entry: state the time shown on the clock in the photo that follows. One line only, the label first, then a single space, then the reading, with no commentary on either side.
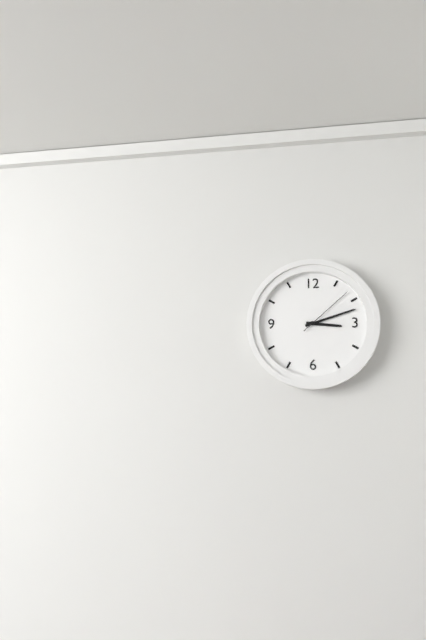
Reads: 3:12:08
